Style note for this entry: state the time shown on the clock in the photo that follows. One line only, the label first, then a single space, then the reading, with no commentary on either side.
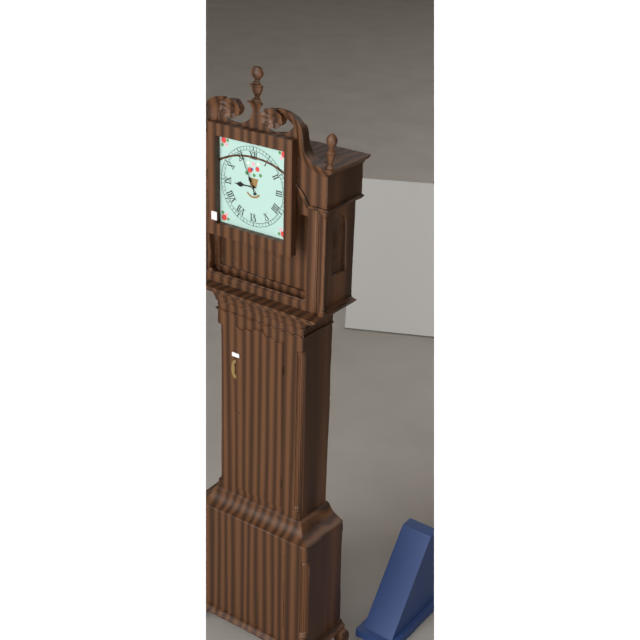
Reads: 8:56
